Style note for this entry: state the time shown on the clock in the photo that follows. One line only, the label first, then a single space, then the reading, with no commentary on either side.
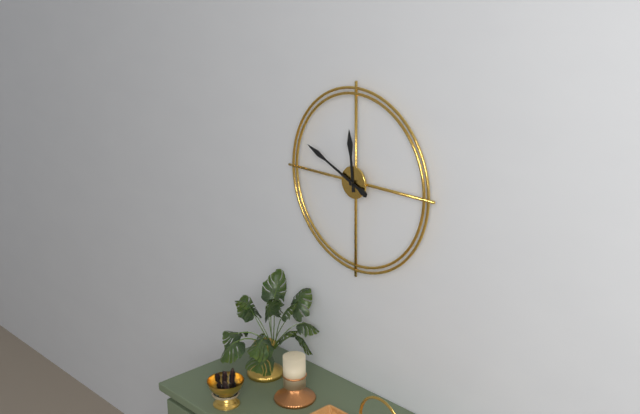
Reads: 11:49
